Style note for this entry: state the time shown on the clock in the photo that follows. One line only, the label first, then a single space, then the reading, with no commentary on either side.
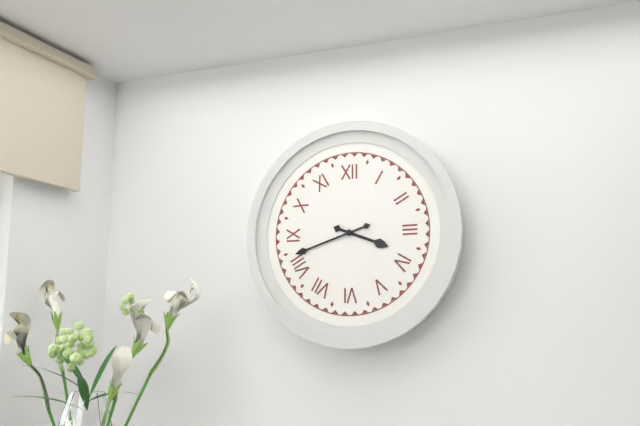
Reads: 3:42
